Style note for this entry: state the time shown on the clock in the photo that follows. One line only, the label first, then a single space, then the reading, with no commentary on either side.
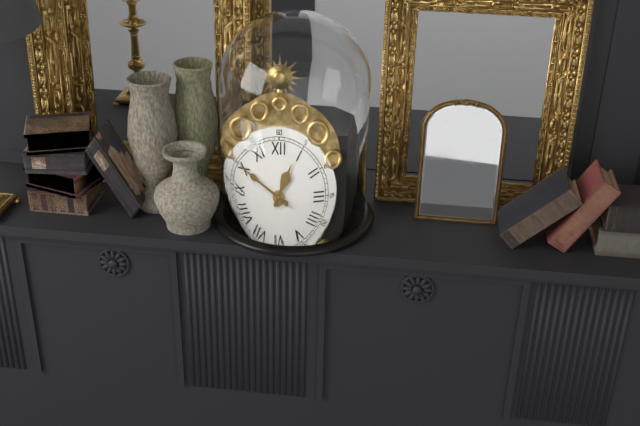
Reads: 12:50
